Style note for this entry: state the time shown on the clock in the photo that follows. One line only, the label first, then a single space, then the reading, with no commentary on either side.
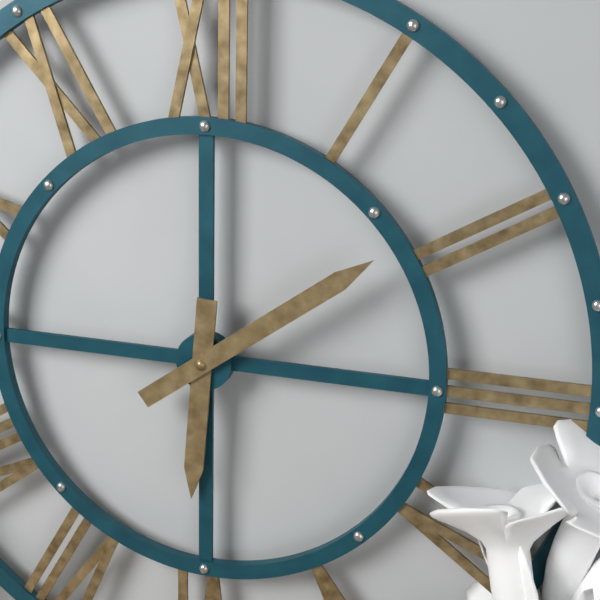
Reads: 6:09
